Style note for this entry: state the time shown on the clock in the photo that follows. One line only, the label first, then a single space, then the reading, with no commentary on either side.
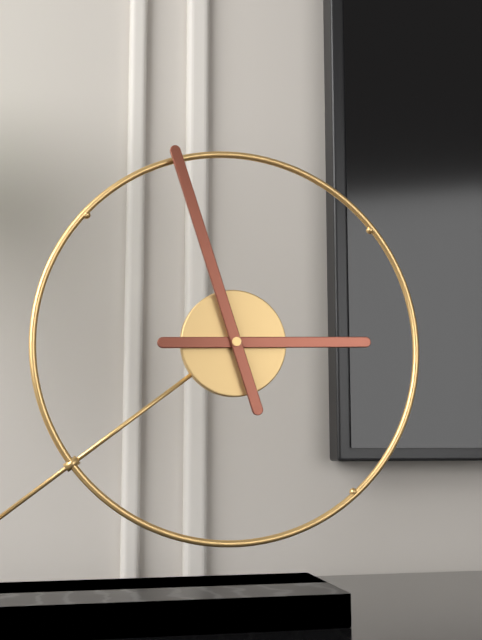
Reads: 2:57
